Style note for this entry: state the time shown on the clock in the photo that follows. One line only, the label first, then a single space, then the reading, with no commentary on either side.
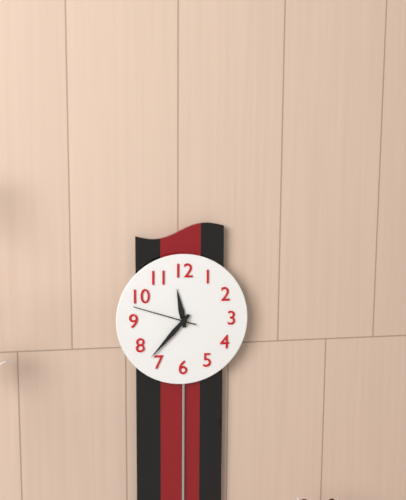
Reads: 11:37:48
